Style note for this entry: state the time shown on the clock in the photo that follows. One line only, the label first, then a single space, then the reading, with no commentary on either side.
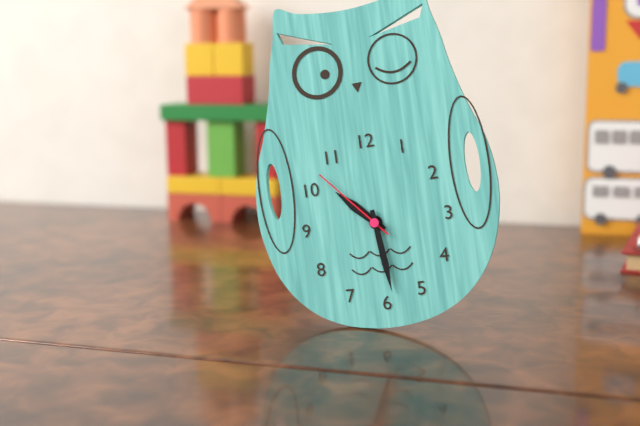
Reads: 10:29:53
